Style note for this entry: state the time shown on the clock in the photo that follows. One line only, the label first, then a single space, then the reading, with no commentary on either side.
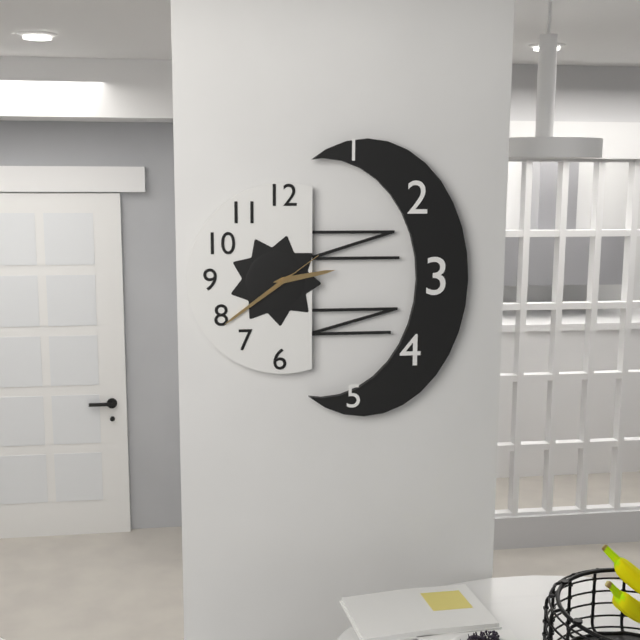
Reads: 2:39:09
